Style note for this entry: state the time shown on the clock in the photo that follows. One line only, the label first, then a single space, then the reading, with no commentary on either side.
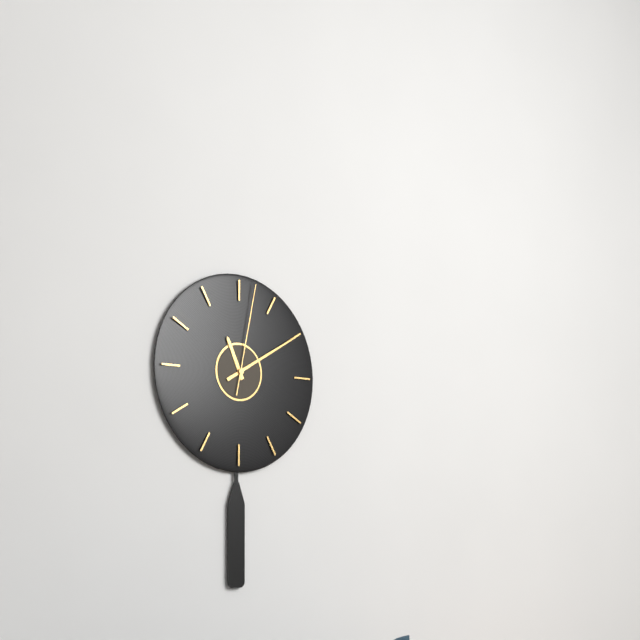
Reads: 11:10:02
